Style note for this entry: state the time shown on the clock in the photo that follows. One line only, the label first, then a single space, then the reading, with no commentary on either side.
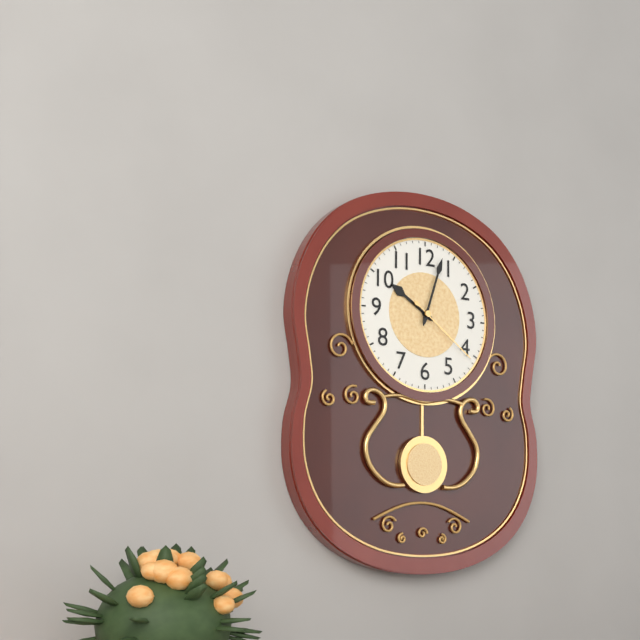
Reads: 10:03:21
